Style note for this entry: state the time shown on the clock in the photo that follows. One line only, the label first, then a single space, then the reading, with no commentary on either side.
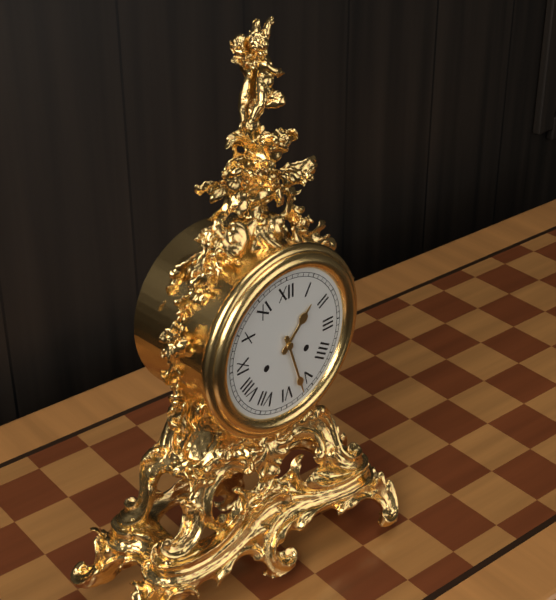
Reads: 1:27
